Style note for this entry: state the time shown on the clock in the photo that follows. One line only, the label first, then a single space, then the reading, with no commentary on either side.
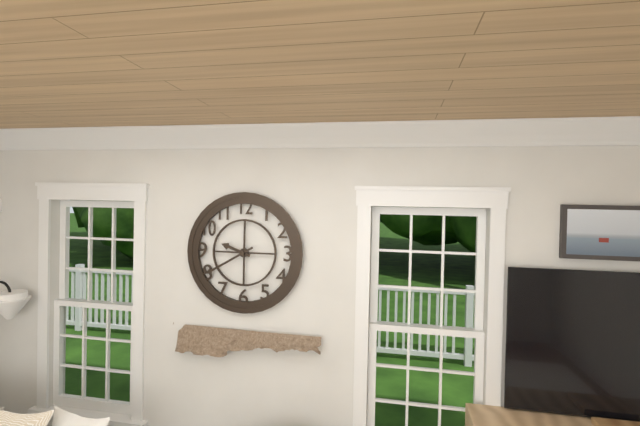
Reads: 9:40
